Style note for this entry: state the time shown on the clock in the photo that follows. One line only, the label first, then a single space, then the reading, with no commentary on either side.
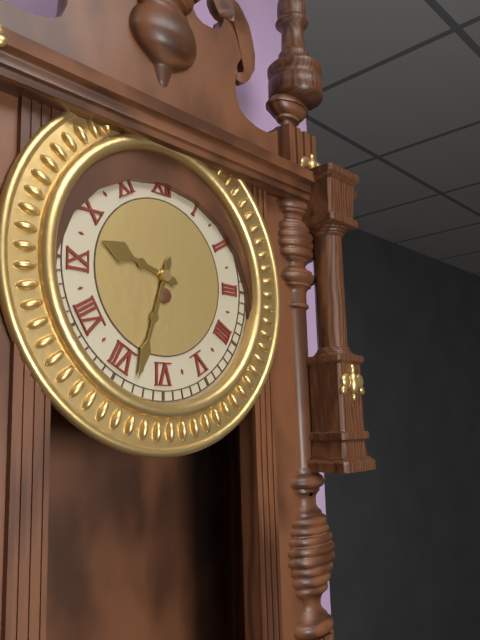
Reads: 9:33
